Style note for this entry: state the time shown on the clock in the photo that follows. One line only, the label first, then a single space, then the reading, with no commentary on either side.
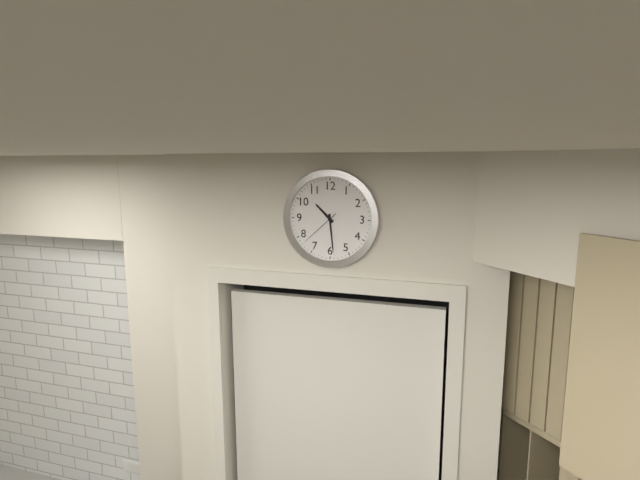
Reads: 10:29
